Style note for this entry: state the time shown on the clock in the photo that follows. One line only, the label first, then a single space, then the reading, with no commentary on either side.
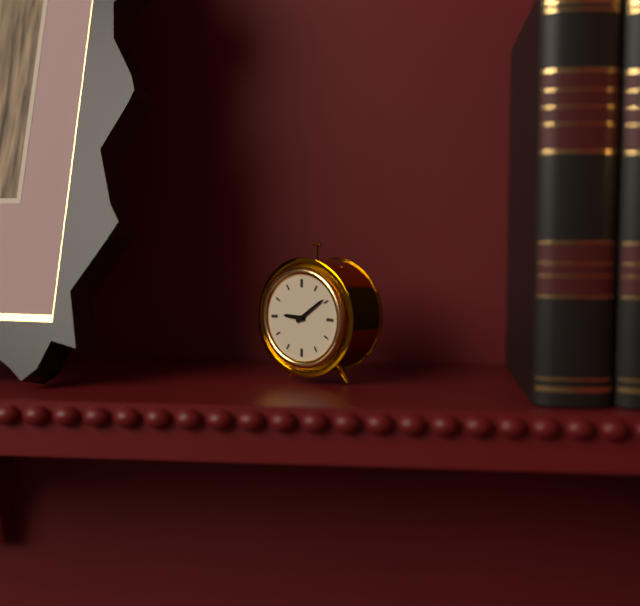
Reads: 9:09
